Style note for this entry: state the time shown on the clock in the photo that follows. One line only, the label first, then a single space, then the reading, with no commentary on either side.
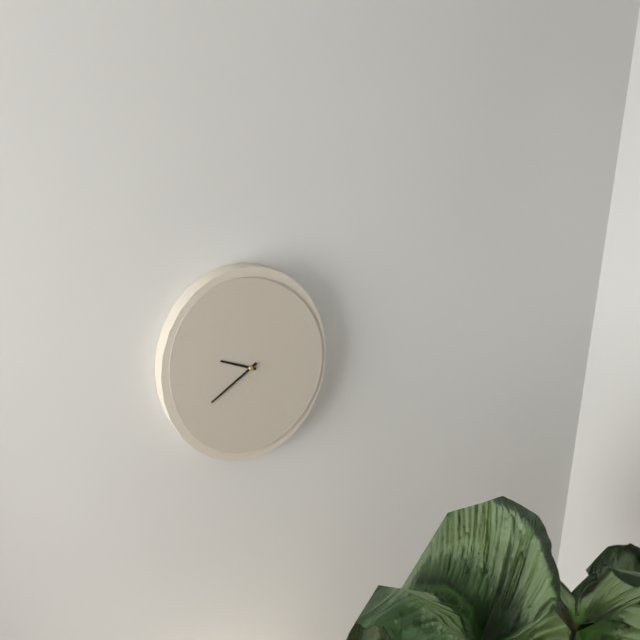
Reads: 9:39
